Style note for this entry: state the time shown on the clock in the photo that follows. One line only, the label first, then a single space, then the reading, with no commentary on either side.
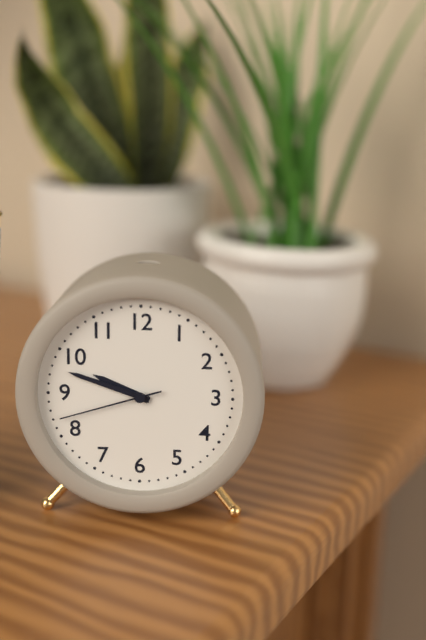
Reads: 9:48:42
